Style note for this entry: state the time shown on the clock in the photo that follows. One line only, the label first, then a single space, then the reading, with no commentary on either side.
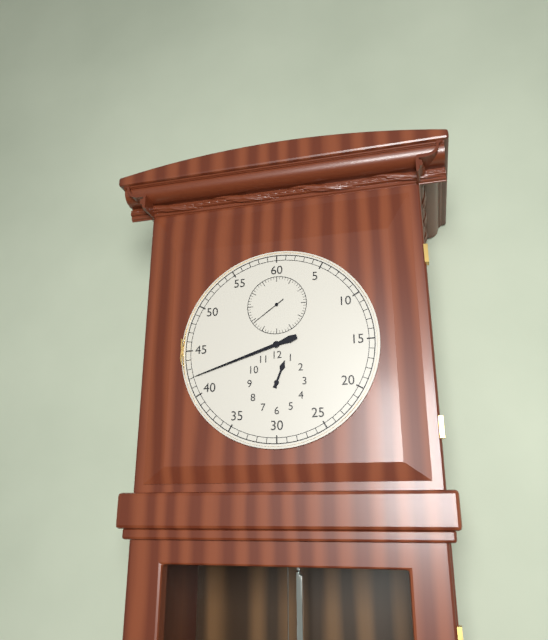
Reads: 12:42
